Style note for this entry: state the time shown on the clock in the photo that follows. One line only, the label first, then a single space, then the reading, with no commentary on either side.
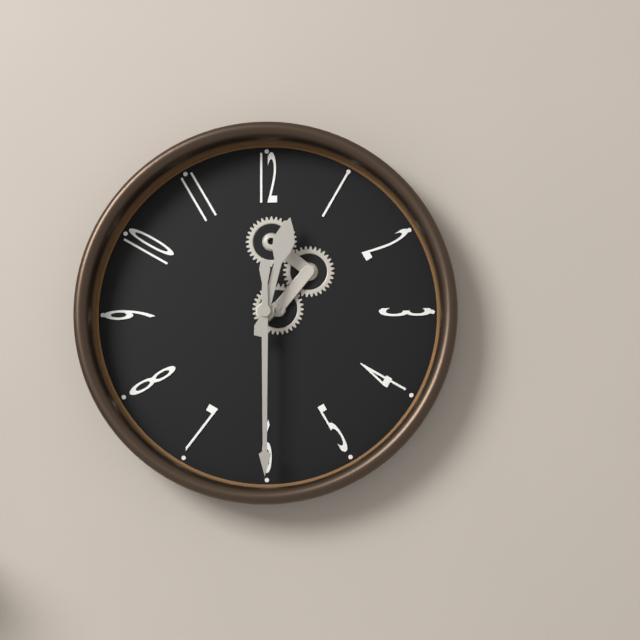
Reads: 12:30
